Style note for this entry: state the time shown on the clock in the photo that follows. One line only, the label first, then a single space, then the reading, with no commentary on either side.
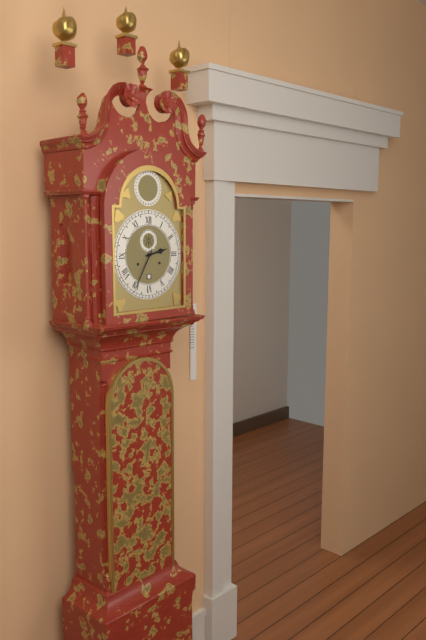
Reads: 2:35
